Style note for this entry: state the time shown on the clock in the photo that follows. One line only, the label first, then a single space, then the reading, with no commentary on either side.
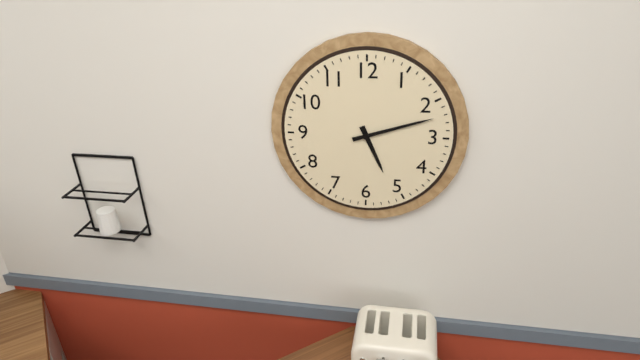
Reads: 5:12
